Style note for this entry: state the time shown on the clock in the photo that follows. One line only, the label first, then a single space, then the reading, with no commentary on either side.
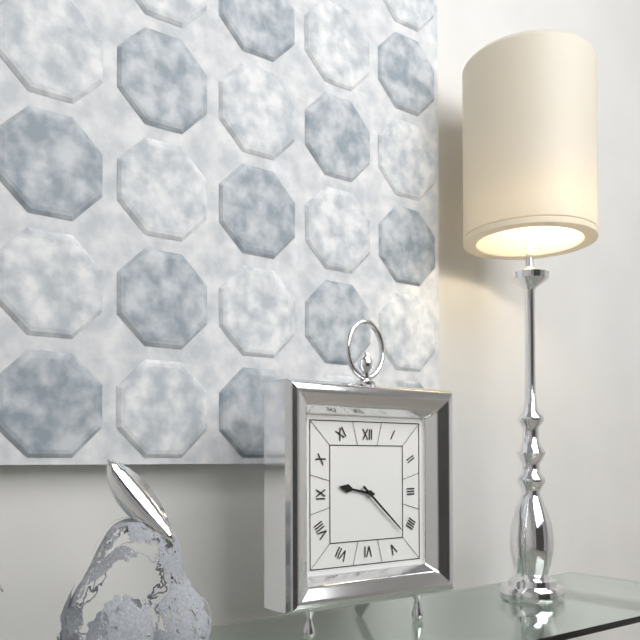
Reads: 9:22
